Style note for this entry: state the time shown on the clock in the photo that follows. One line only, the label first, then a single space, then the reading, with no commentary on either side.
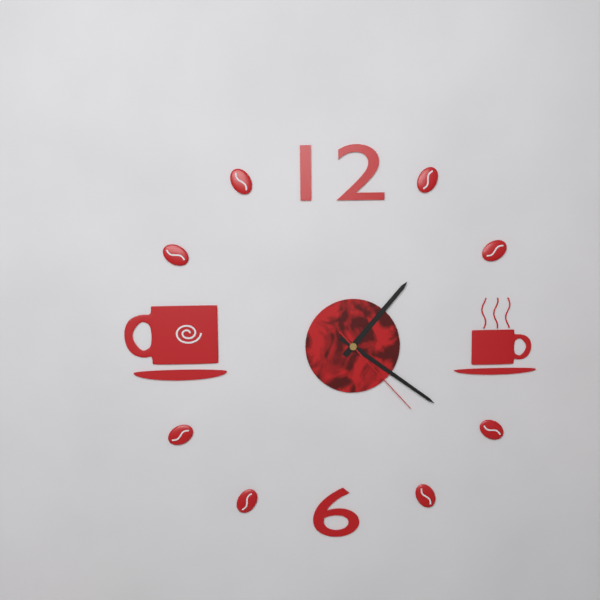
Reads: 1:21:23
